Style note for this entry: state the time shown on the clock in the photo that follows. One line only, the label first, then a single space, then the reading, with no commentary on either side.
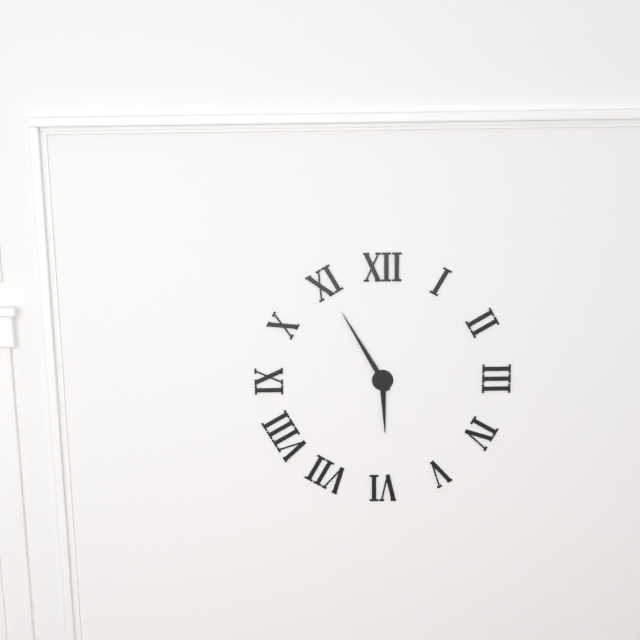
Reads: 5:55
